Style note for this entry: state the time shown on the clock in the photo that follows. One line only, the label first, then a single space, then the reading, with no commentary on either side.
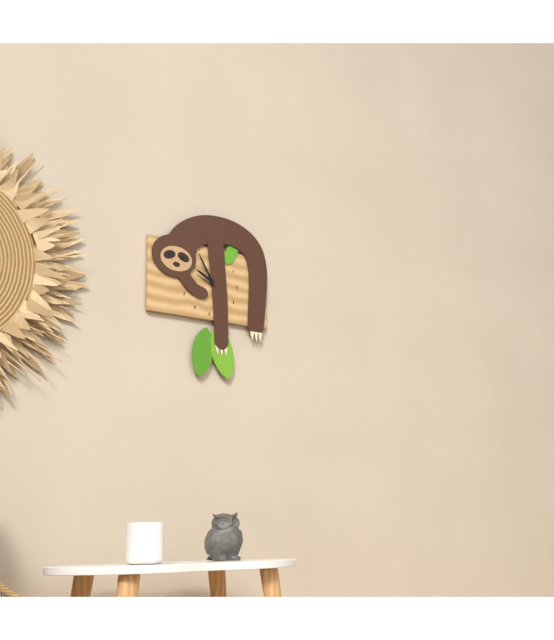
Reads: 9:55
